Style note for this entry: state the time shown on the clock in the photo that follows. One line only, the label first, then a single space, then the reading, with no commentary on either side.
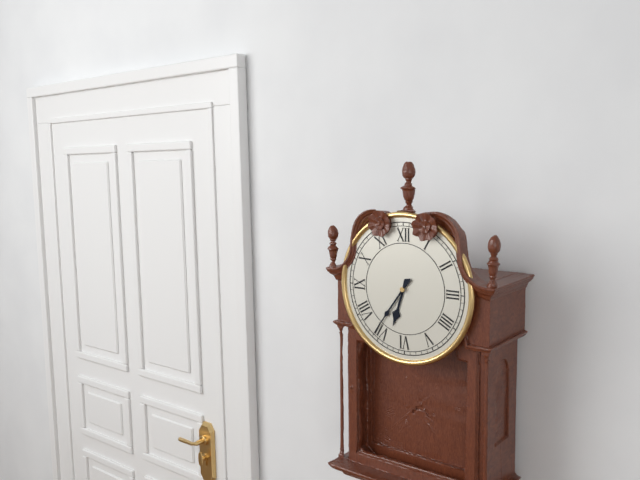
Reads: 6:36
